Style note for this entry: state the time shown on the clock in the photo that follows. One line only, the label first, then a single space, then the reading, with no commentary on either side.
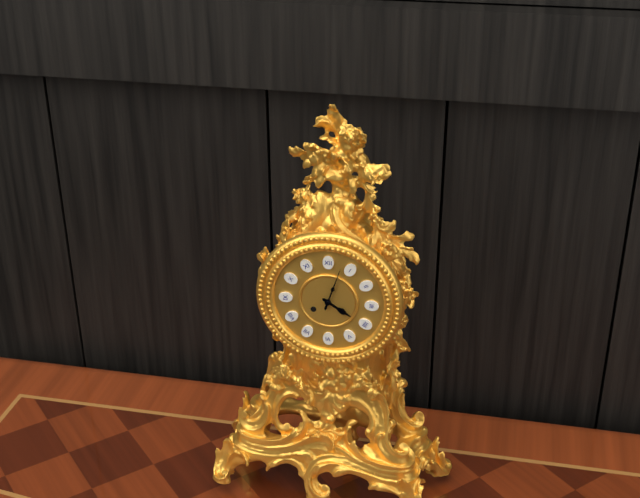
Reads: 4:03
